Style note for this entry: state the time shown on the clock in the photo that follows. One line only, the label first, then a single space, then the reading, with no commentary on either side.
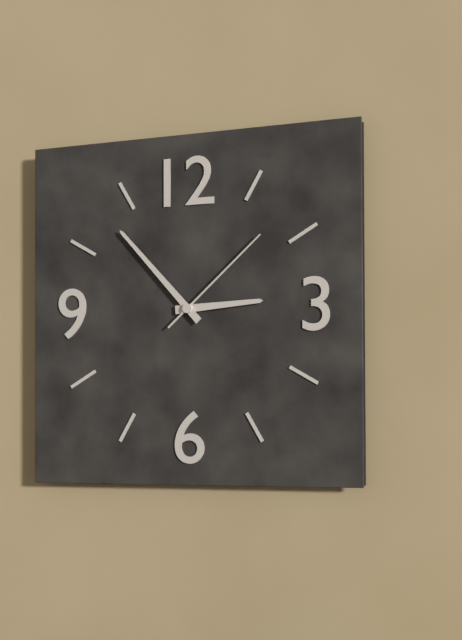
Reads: 2:53:08
